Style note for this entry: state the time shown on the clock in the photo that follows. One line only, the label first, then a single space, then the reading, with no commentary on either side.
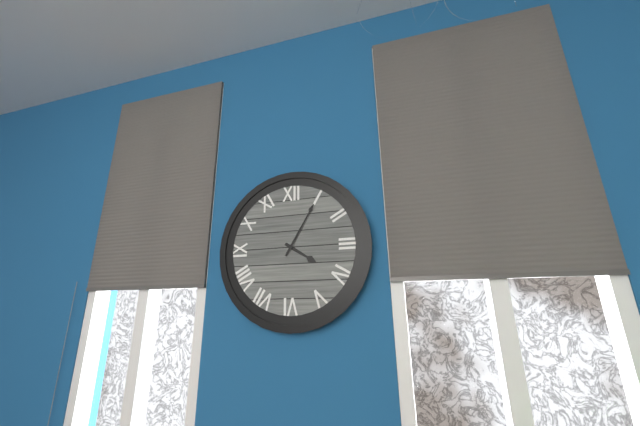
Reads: 4:05
